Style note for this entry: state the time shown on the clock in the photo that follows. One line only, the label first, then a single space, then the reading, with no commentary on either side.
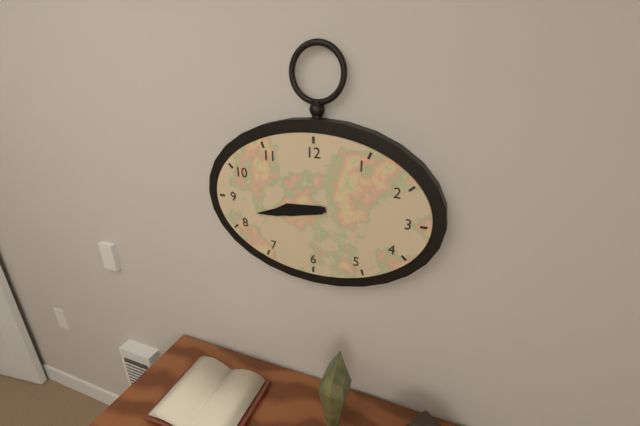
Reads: 8:43
